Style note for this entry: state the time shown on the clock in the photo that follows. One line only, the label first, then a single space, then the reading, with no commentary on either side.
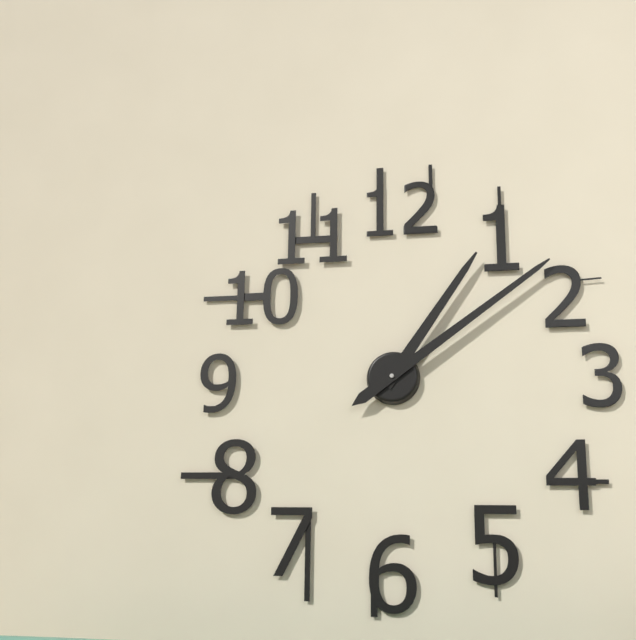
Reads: 1:09
